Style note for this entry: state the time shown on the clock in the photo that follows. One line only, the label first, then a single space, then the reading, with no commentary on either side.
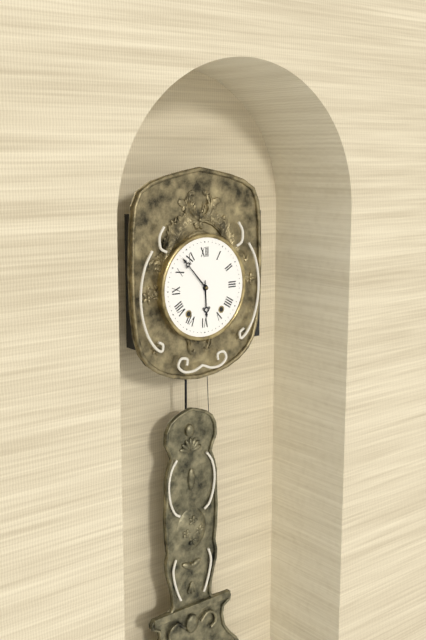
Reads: 5:53
